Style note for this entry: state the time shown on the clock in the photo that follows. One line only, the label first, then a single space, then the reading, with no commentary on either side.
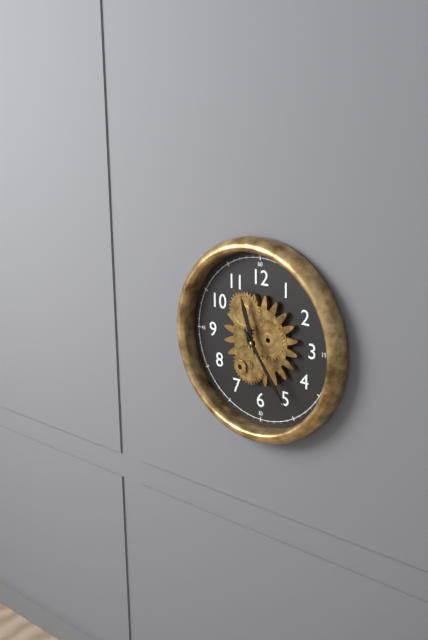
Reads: 11:24
